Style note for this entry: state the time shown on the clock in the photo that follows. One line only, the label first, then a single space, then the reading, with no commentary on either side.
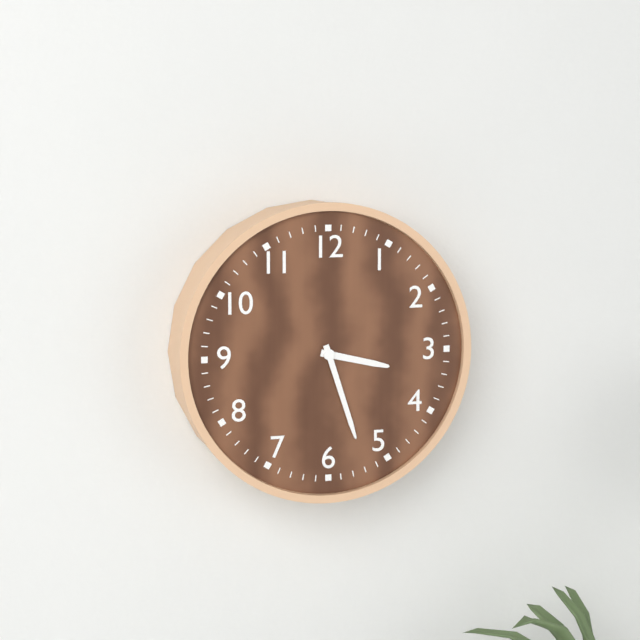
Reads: 3:27
